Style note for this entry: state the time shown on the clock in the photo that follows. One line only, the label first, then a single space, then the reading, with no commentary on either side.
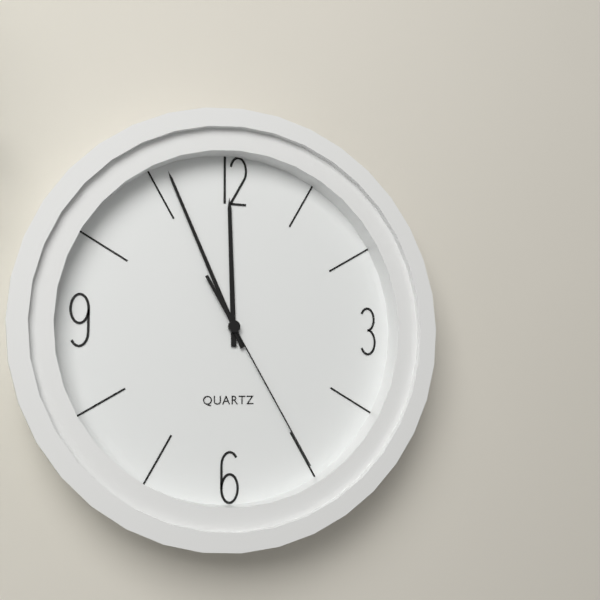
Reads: 11:56:25
